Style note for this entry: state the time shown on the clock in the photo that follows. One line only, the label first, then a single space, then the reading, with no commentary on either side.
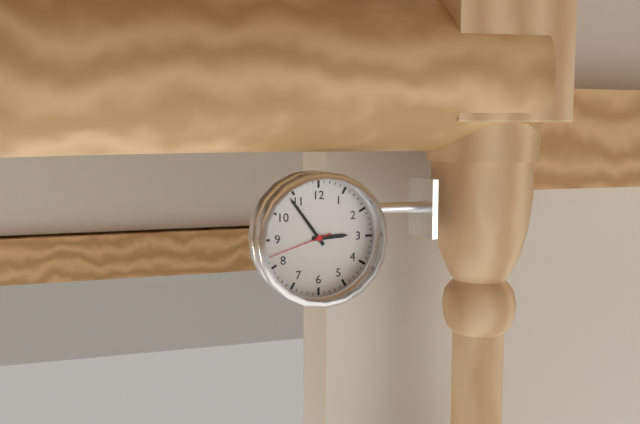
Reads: 2:54:42
